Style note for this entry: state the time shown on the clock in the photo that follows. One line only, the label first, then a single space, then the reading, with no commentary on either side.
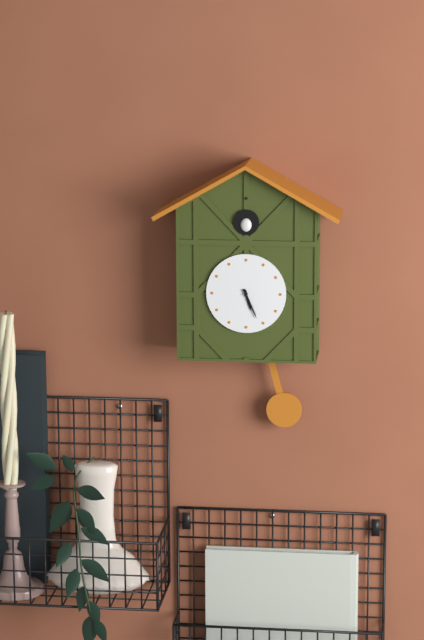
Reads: 5:26
